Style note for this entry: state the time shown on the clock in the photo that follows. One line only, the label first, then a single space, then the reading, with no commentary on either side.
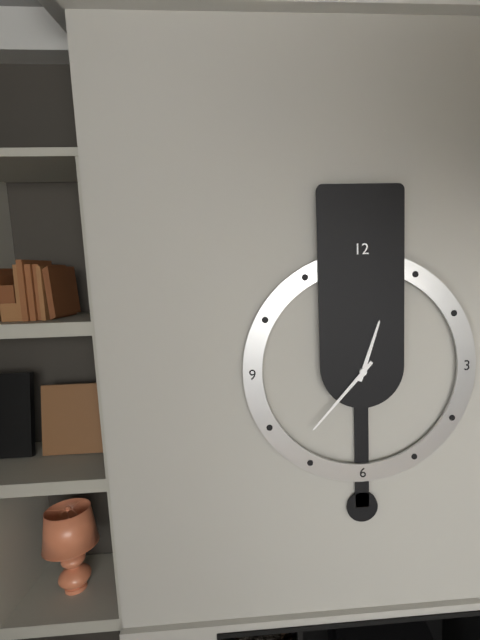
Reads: 12:37
